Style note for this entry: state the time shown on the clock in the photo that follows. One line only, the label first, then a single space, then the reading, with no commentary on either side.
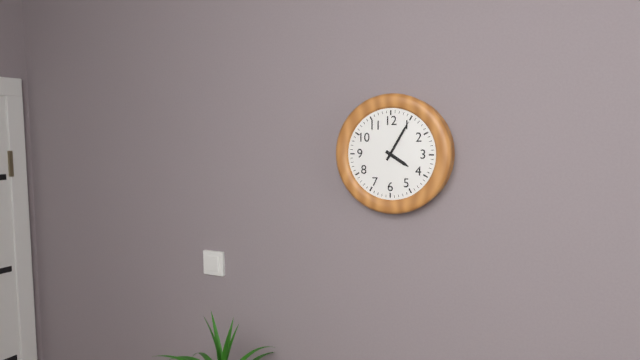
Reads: 4:05
